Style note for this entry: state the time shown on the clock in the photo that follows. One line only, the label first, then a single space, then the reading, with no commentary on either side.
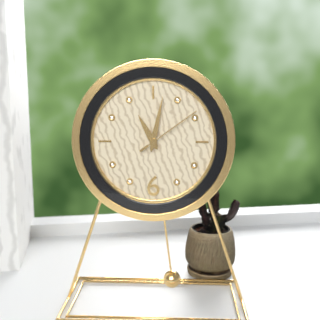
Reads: 11:02:09
